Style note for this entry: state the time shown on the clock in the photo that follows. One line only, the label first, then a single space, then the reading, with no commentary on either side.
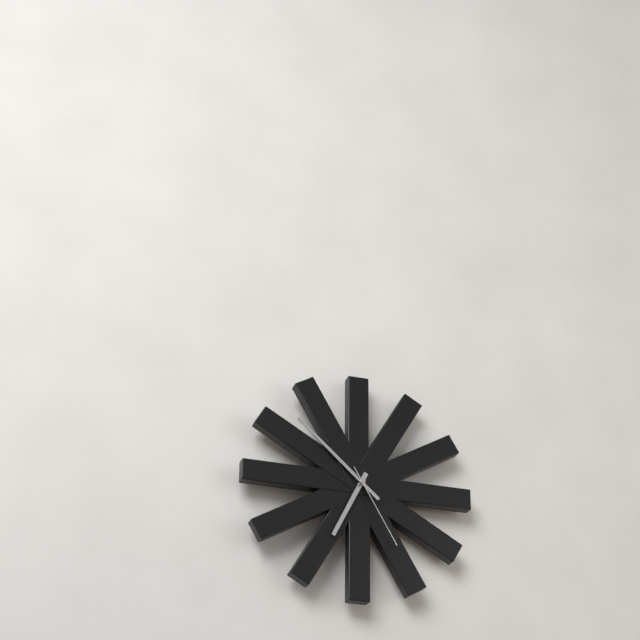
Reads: 6:52:25
